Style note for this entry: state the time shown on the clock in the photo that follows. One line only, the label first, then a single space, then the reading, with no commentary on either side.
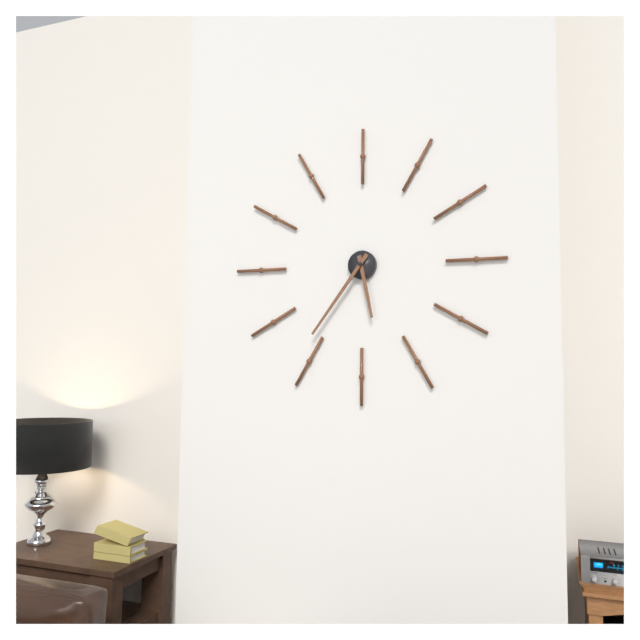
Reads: 5:36
